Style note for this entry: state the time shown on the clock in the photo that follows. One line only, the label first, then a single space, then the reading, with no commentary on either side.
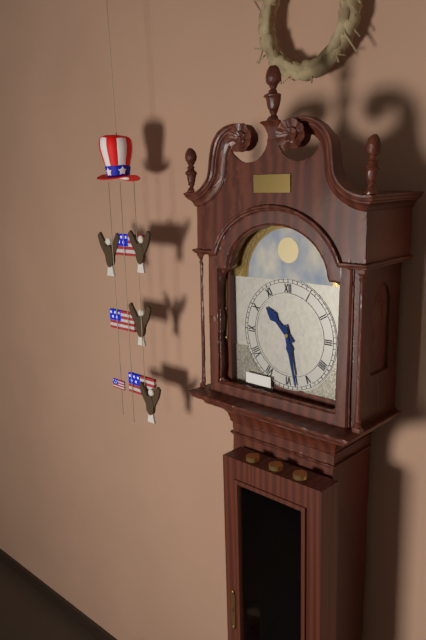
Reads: 10:28
